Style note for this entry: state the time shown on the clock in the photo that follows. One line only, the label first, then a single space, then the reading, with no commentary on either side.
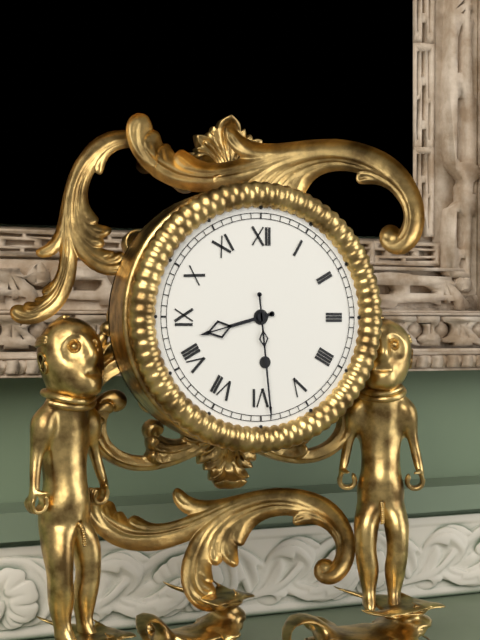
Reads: 8:29
